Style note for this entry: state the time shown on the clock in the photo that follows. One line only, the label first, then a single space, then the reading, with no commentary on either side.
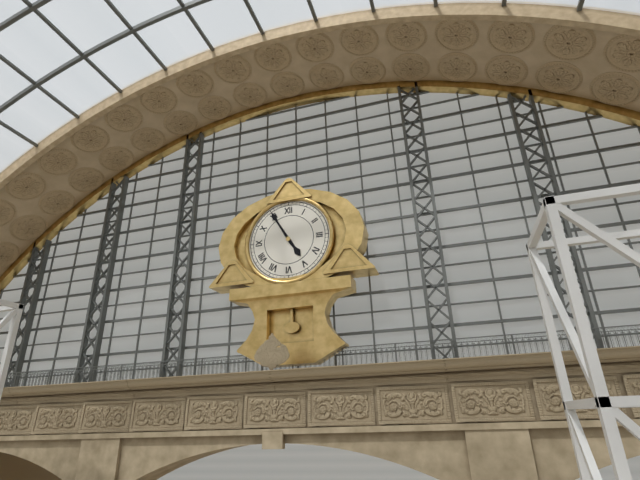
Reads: 4:55
